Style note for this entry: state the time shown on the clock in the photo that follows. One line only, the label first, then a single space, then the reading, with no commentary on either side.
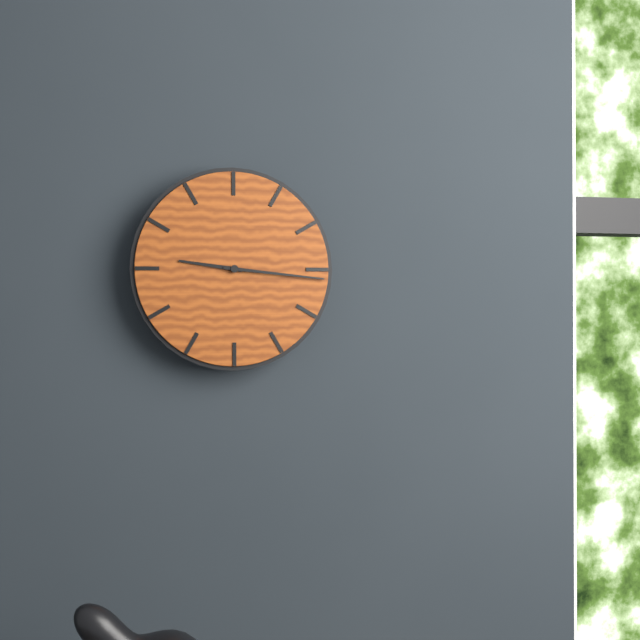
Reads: 9:16
